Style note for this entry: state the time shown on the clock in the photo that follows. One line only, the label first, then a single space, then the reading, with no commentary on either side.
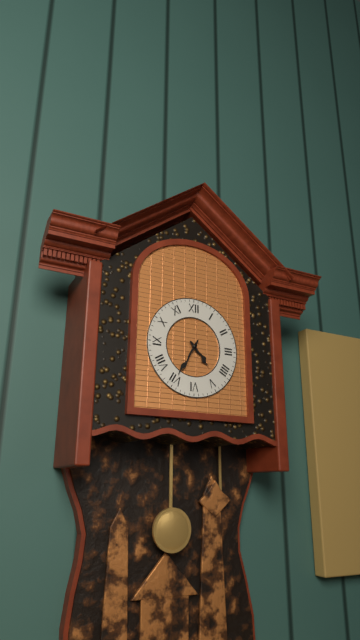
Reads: 4:35
